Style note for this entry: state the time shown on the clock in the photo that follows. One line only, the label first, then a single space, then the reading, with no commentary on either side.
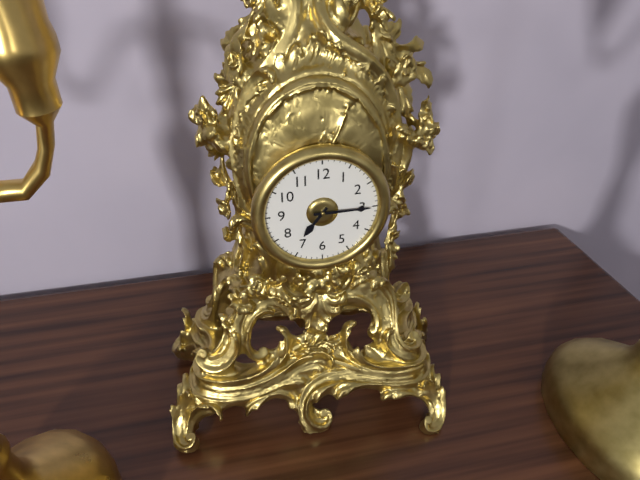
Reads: 7:15
